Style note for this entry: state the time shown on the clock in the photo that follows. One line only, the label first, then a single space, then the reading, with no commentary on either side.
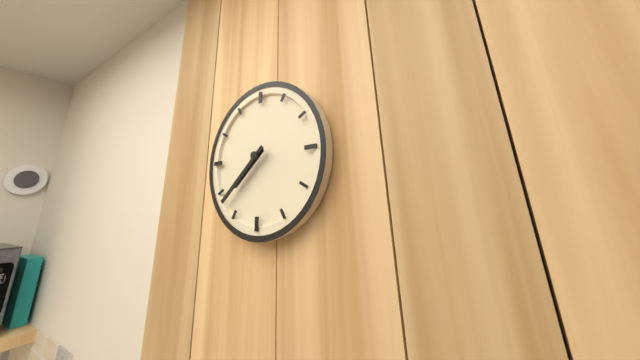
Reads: 7:38
